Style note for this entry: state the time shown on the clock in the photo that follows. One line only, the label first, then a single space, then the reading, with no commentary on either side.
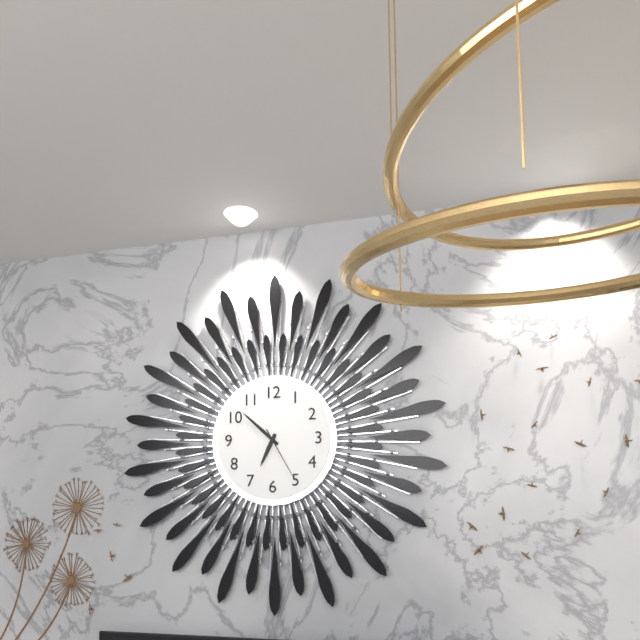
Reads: 6:52:25
